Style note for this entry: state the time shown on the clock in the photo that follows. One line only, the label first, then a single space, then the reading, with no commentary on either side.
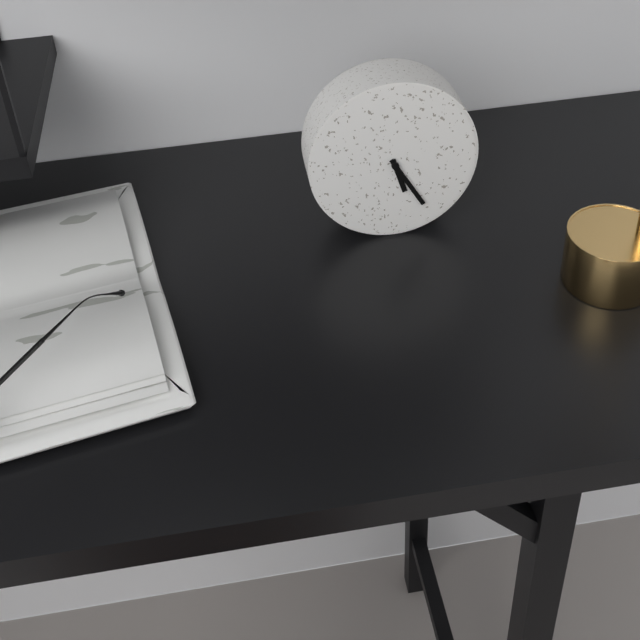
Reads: 5:25
